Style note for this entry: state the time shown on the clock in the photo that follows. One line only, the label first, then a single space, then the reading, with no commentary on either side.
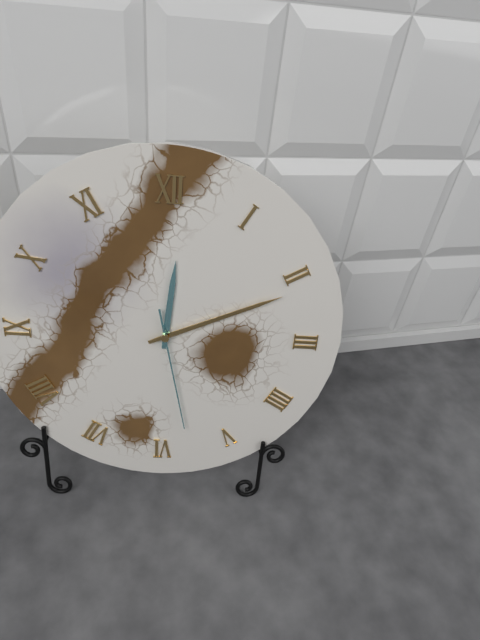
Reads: 12:11:28
